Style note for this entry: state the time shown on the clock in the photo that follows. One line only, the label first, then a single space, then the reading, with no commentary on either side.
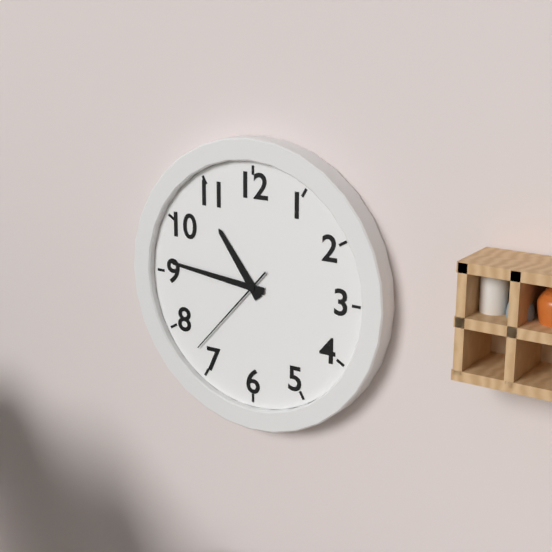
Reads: 10:46:37
